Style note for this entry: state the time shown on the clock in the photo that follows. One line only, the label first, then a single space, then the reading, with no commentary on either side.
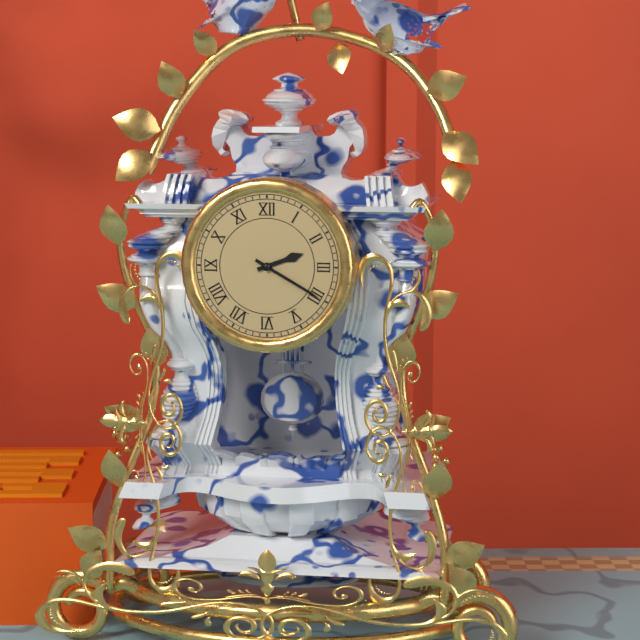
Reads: 2:20
